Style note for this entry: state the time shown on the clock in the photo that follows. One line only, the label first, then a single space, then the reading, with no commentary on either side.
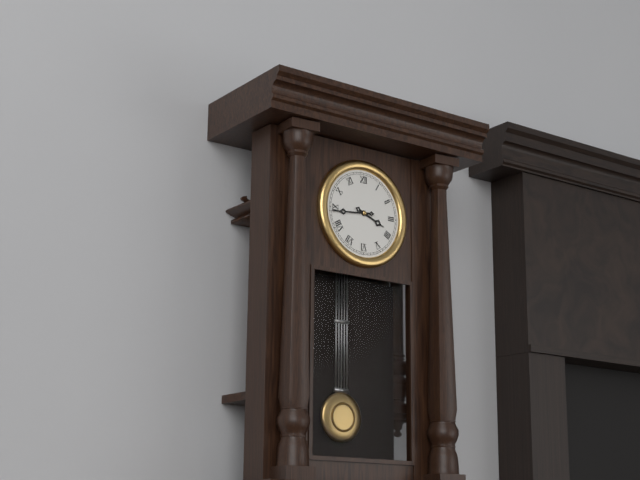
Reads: 3:44
